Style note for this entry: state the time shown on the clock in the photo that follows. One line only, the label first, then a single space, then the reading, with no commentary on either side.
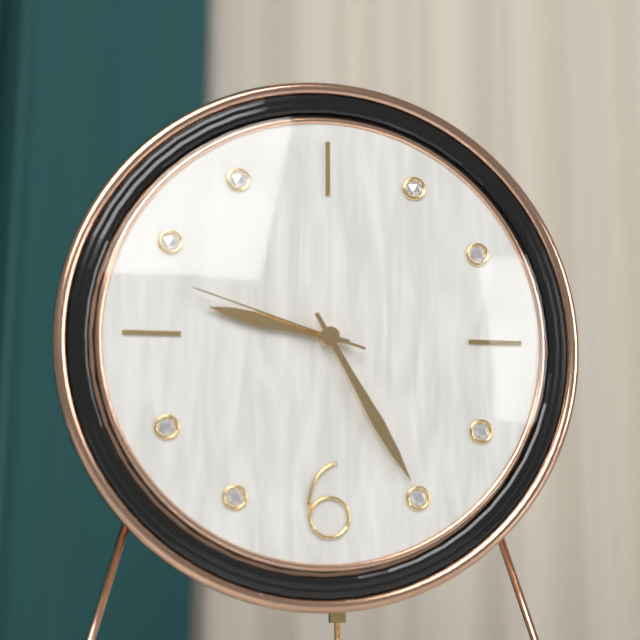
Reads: 9:25:48
